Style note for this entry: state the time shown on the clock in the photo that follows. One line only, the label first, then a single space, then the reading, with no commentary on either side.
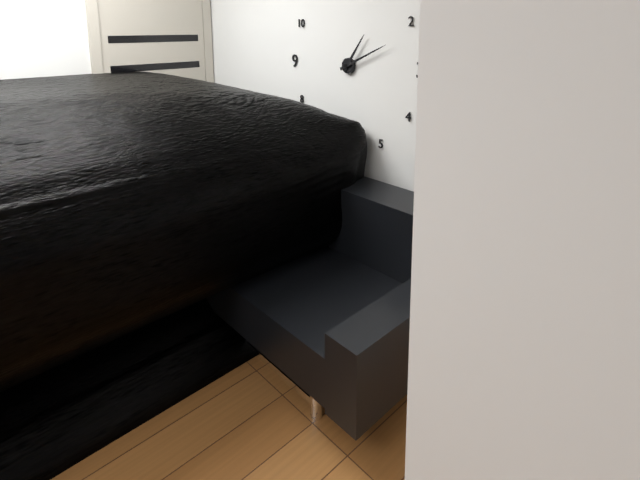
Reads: 1:11
